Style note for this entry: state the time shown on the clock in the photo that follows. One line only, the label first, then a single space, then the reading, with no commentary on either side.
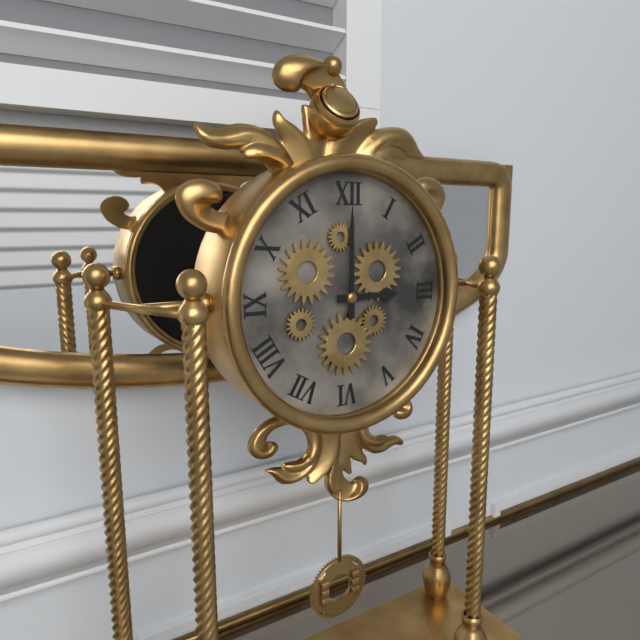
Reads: 3:00
